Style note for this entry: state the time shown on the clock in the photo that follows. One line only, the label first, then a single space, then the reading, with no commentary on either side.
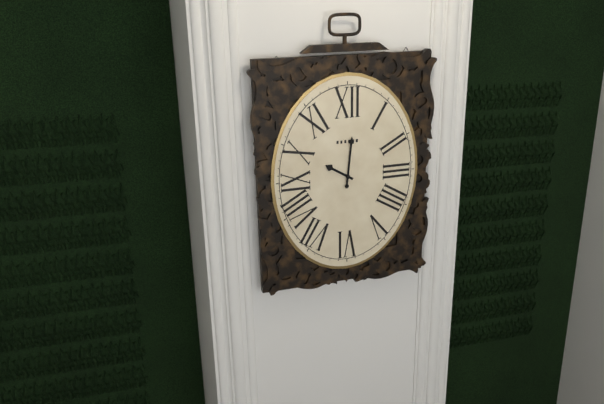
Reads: 10:01
